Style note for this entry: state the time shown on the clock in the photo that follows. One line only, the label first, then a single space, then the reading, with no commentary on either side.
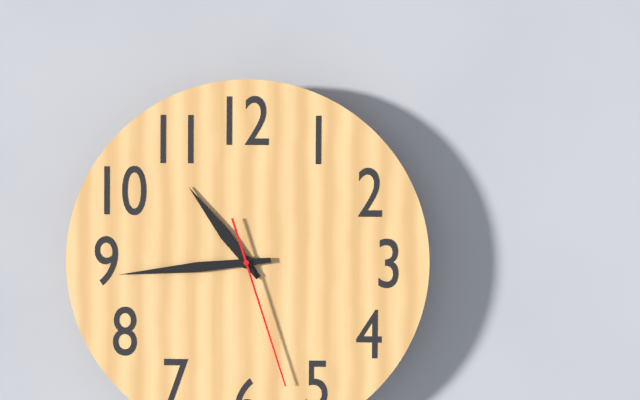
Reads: 10:44:27
